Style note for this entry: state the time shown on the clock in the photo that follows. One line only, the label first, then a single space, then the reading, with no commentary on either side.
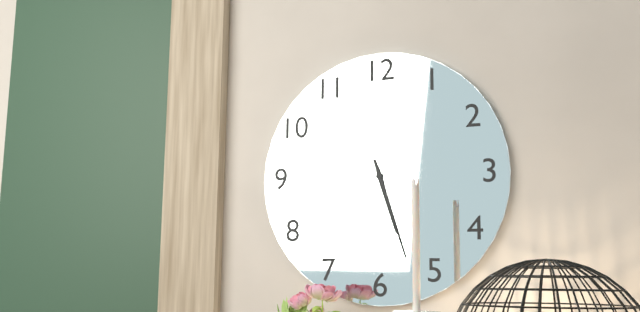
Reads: 5:27
